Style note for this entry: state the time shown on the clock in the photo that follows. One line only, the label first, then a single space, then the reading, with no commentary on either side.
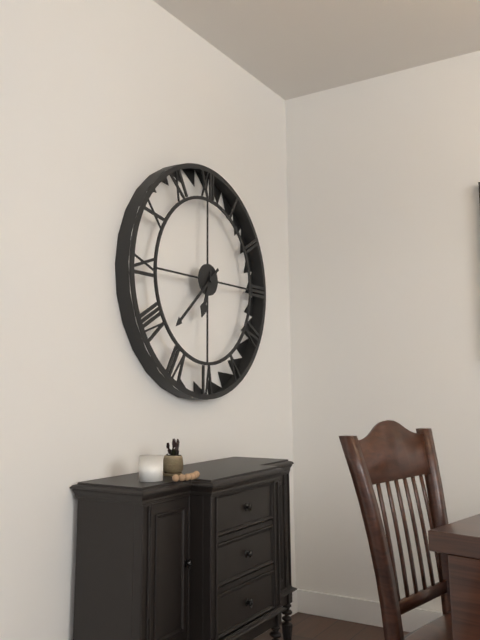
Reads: 6:38
